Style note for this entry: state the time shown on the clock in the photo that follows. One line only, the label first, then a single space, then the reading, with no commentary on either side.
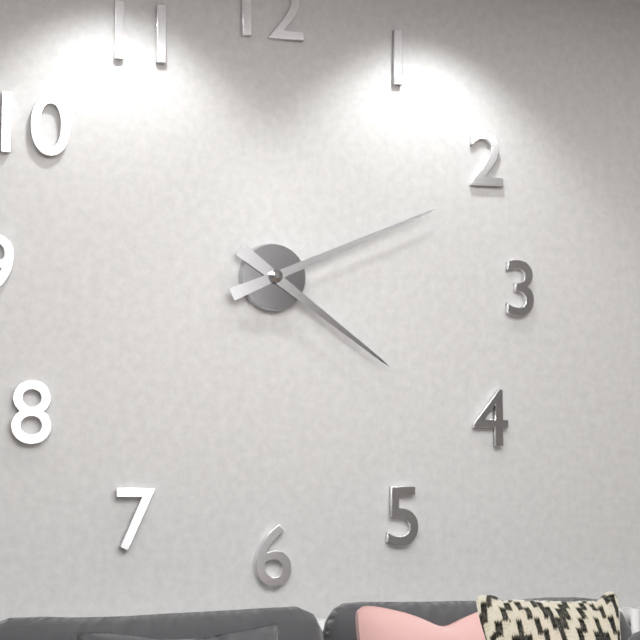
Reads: 4:11
